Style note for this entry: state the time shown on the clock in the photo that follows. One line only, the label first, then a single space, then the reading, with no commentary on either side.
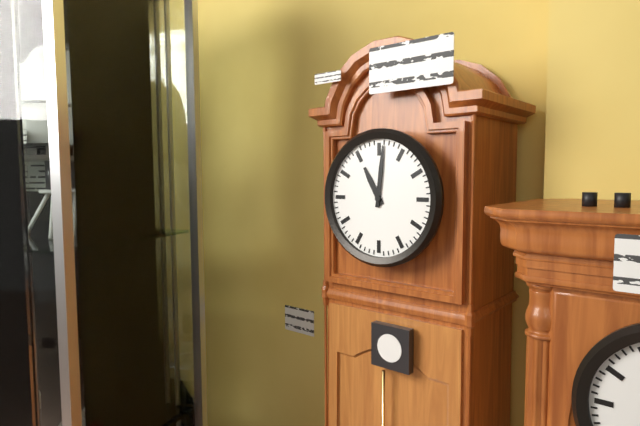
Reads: 11:01
